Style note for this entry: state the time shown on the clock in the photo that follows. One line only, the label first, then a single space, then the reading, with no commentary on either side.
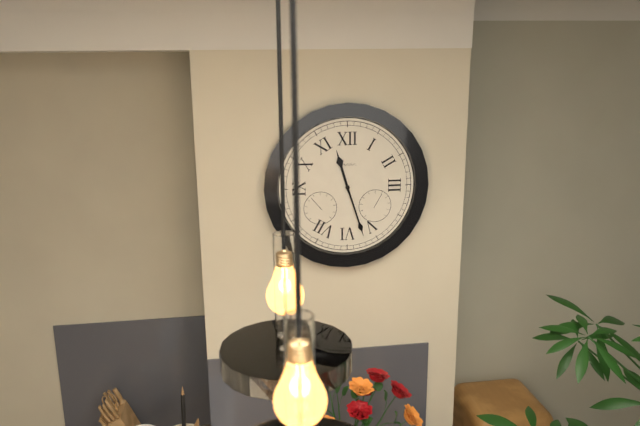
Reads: 11:27
